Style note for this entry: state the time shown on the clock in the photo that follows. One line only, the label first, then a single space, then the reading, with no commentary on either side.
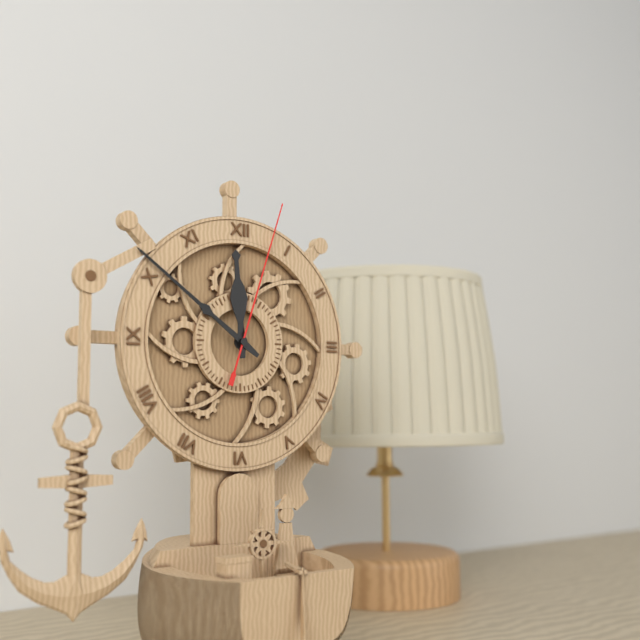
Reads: 11:51:03
